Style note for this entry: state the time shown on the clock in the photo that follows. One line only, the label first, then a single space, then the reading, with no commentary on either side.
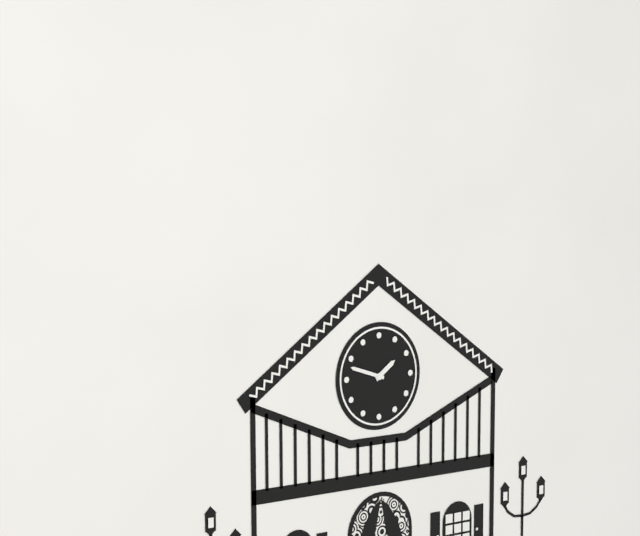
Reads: 1:48
